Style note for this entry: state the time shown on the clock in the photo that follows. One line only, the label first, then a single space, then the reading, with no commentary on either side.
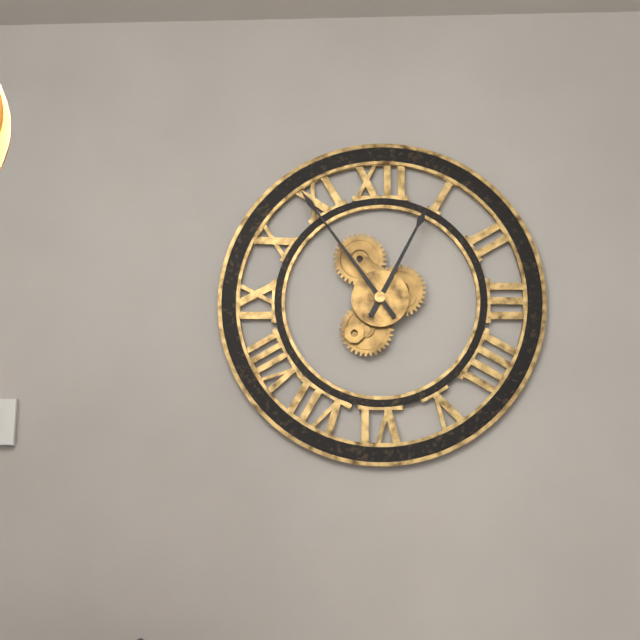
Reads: 12:54
